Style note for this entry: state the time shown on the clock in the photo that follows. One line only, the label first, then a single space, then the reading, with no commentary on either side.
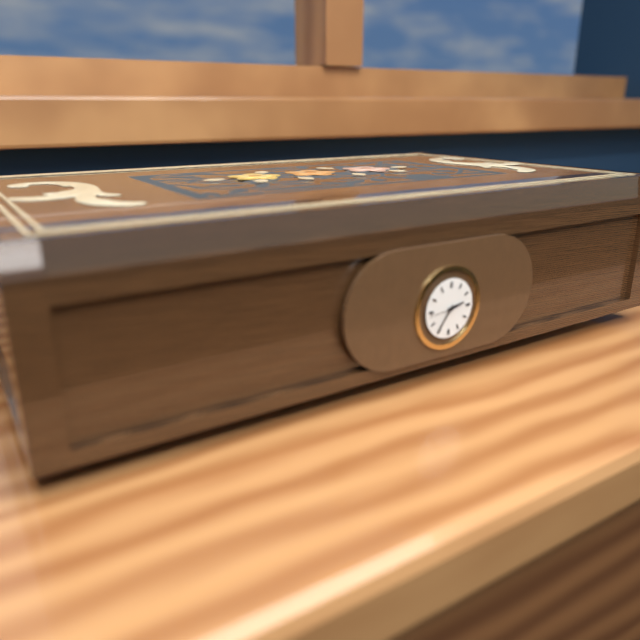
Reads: 2:36:44
